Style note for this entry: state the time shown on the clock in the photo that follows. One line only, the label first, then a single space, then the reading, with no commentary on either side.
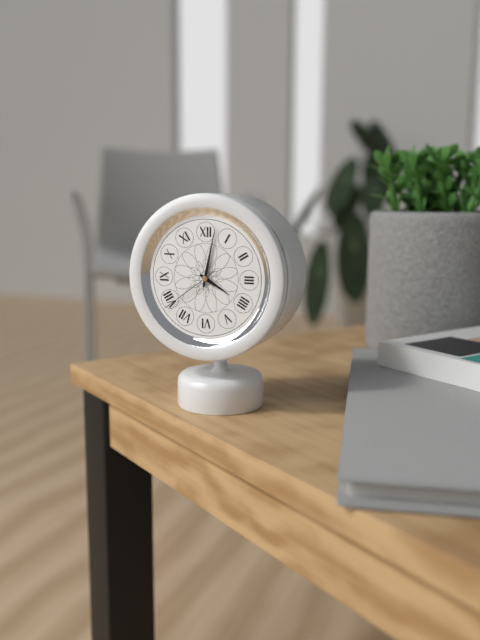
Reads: 4:02:39
